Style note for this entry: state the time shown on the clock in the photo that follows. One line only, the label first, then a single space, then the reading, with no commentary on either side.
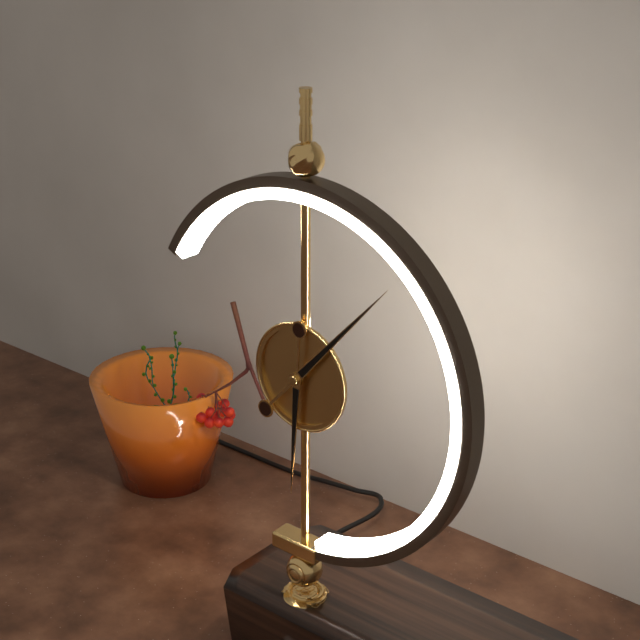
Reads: 6:07
